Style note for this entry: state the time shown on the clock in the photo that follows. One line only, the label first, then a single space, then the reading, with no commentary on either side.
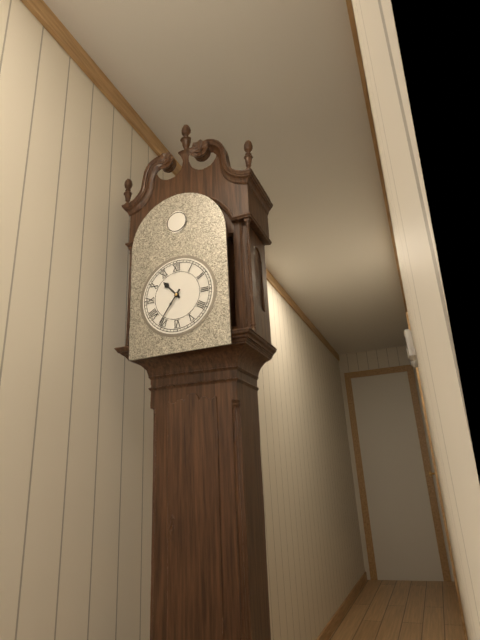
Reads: 10:36
